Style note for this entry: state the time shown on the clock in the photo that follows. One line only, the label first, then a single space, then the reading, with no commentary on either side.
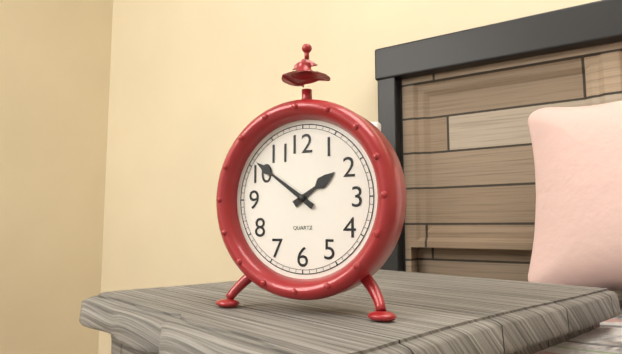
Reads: 1:51
